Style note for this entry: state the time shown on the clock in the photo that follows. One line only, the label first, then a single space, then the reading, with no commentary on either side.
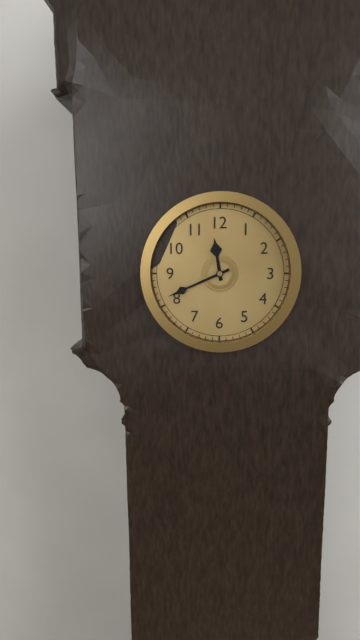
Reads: 11:41
